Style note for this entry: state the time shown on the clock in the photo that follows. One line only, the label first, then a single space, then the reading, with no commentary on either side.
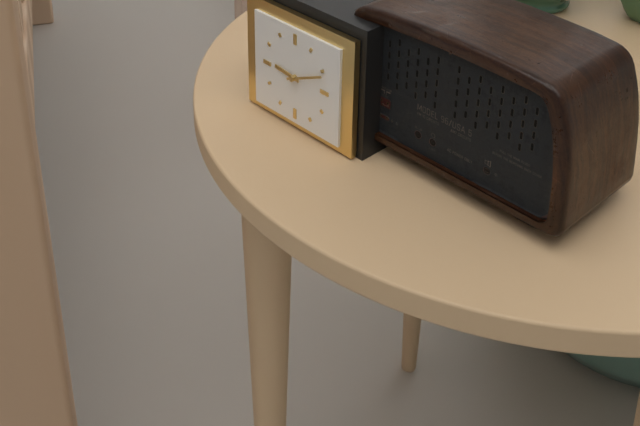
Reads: 9:11
